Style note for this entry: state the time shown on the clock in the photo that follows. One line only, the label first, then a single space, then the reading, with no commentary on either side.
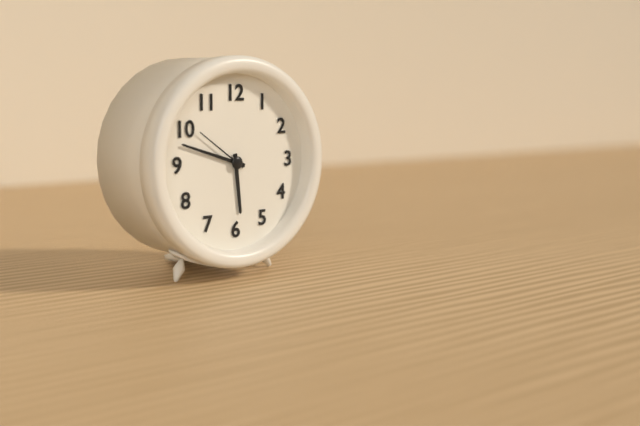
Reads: 5:48:51
